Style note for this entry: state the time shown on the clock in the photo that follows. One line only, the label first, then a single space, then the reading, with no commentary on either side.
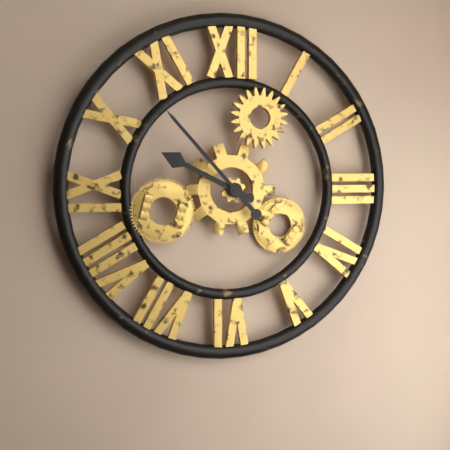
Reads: 9:53
